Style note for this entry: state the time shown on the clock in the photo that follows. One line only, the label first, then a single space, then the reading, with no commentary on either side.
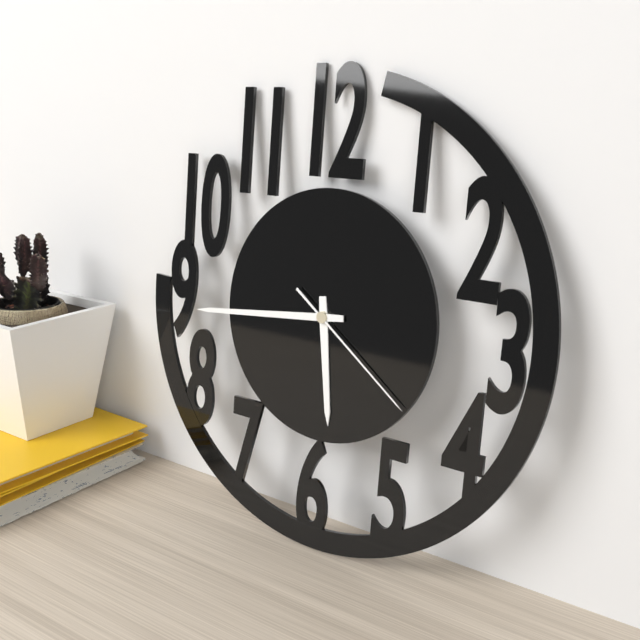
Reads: 5:44:21
